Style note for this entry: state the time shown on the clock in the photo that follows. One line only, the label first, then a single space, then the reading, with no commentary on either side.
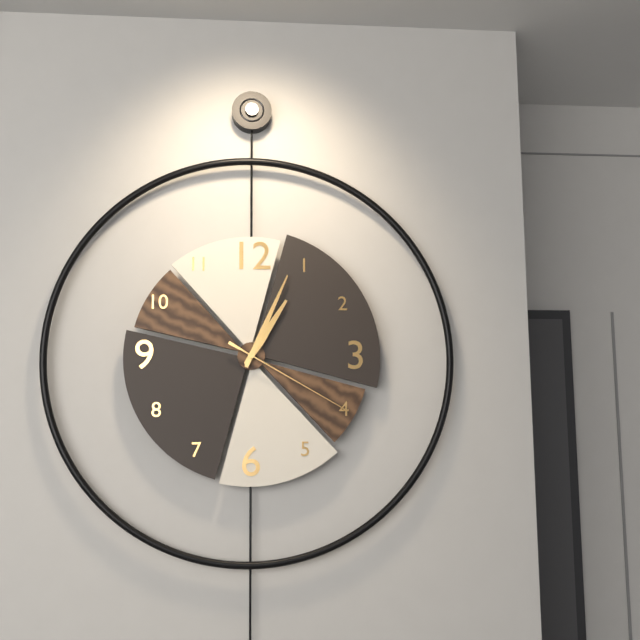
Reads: 1:04:20
